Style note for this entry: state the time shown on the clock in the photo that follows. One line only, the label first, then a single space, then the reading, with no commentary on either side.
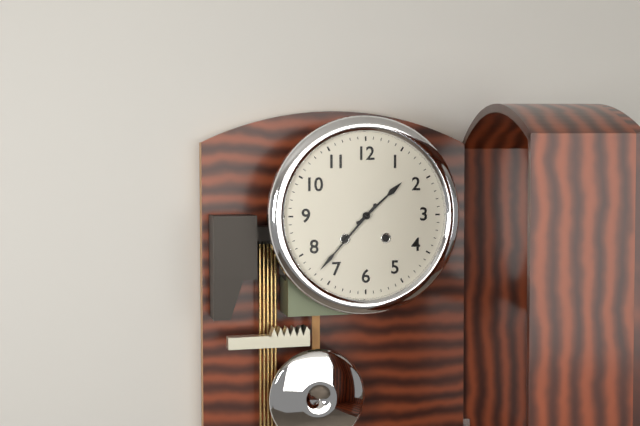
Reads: 1:37
